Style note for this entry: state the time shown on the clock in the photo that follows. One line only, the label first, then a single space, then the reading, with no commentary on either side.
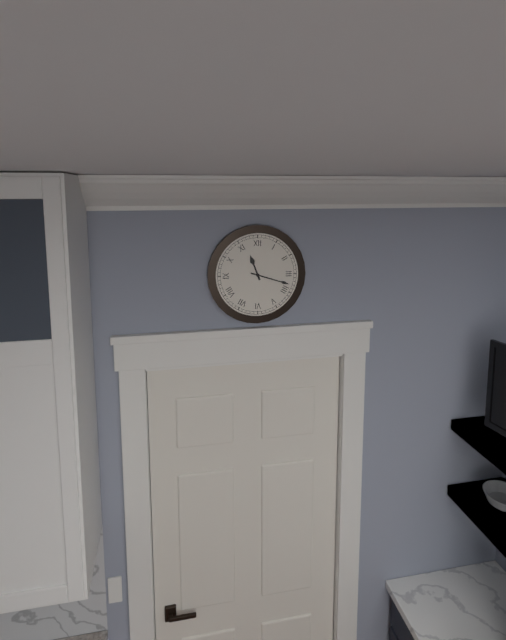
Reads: 11:18
